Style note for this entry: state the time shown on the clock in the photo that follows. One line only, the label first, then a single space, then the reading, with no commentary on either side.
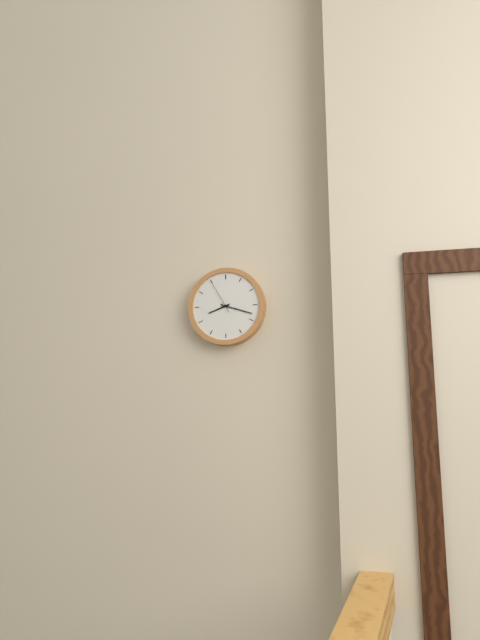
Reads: 8:18
